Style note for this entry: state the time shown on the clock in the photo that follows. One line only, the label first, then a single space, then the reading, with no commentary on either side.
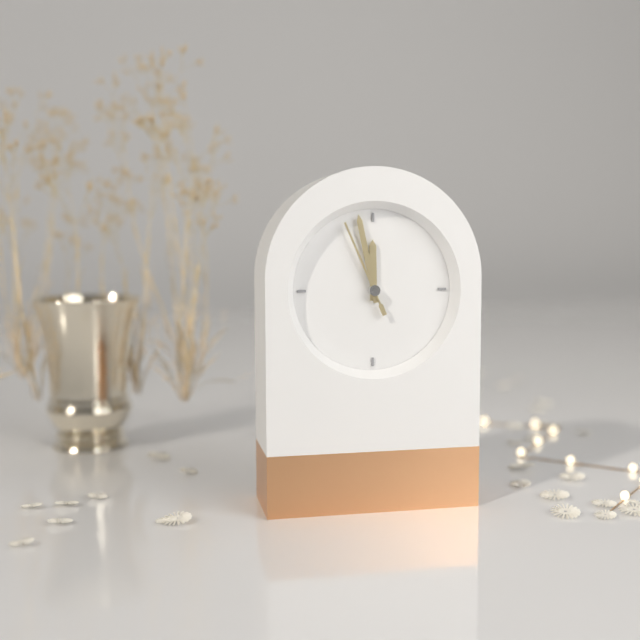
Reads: 11:58:56
